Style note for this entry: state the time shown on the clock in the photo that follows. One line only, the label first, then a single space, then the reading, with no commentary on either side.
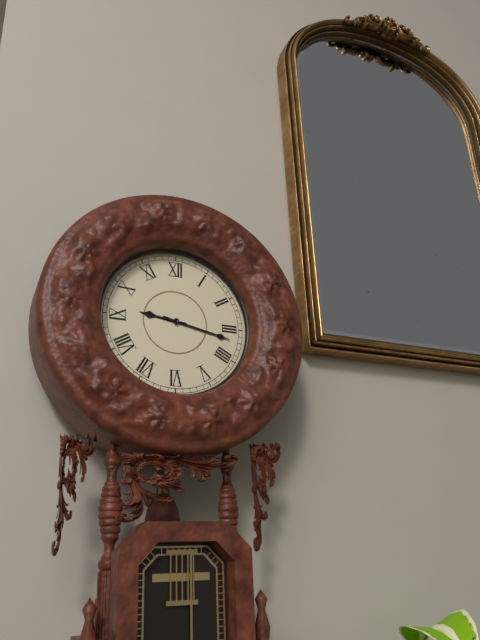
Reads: 9:17
